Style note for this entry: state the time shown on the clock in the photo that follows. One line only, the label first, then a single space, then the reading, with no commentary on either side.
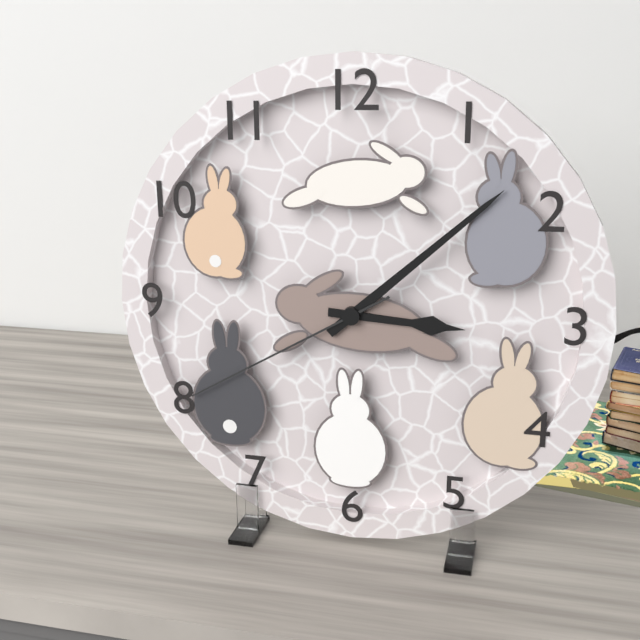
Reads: 3:08:40
